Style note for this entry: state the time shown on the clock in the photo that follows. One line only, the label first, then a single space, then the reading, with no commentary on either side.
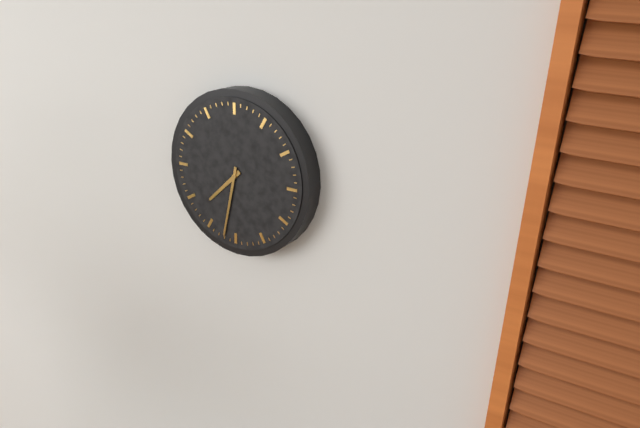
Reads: 7:32
